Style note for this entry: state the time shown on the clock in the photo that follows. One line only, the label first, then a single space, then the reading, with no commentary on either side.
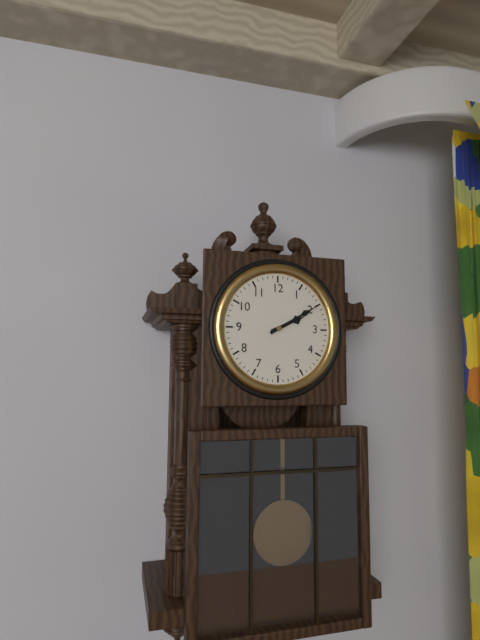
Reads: 2:10
